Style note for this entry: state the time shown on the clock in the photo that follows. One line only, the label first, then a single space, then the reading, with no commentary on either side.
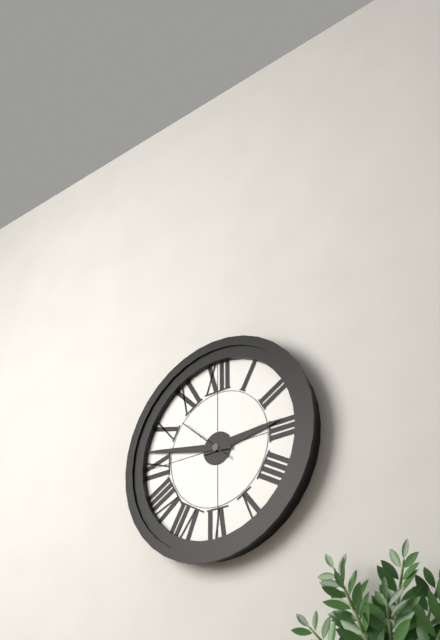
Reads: 2:47:52
